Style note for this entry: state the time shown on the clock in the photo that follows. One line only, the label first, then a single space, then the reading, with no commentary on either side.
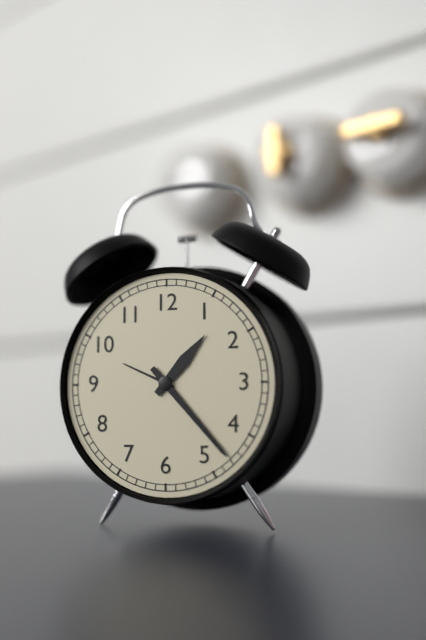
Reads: 1:23
